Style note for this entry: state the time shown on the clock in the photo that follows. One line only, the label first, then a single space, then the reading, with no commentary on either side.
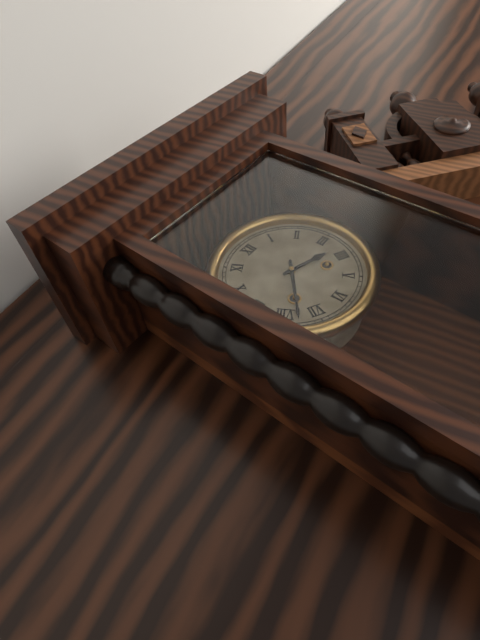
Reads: 3:38
